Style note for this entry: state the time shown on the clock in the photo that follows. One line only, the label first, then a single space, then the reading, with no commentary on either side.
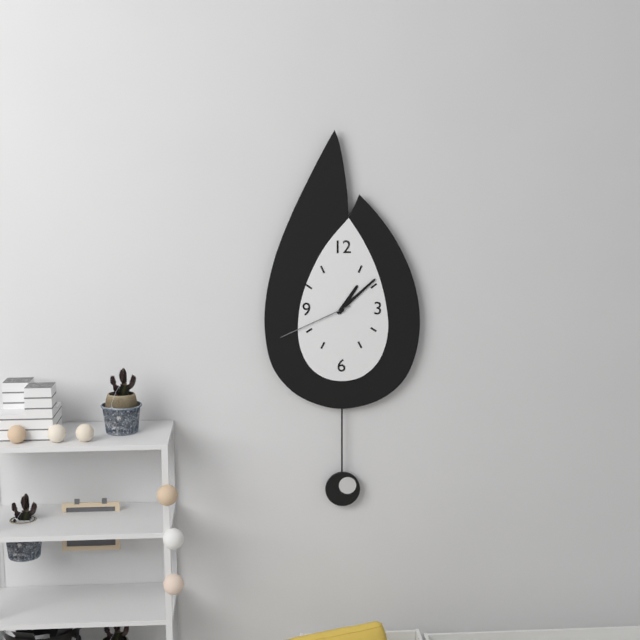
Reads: 1:08:41
